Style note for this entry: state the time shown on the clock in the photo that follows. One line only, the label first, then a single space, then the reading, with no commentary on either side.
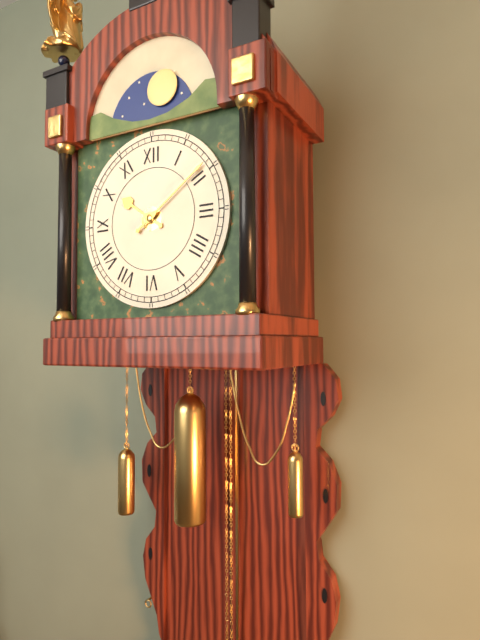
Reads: 10:09
